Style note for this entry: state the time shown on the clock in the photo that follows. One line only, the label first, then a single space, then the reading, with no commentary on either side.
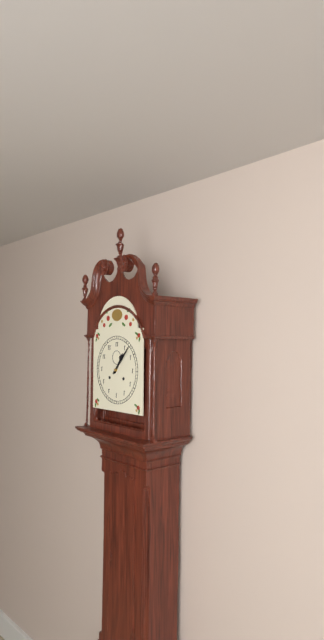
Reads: 1:07
